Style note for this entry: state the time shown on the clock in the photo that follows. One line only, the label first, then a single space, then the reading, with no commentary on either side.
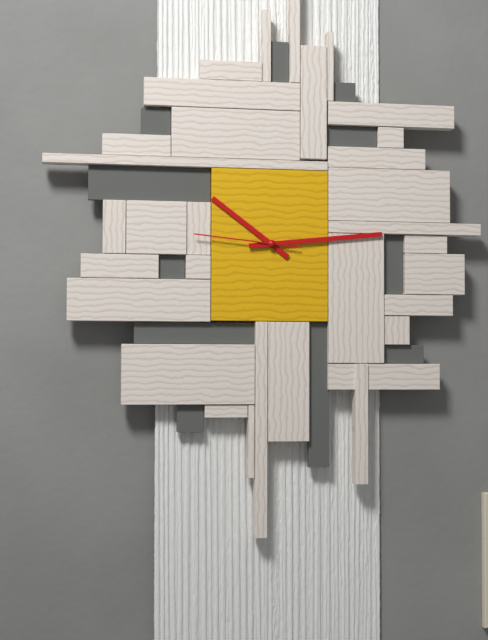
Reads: 10:14:46
